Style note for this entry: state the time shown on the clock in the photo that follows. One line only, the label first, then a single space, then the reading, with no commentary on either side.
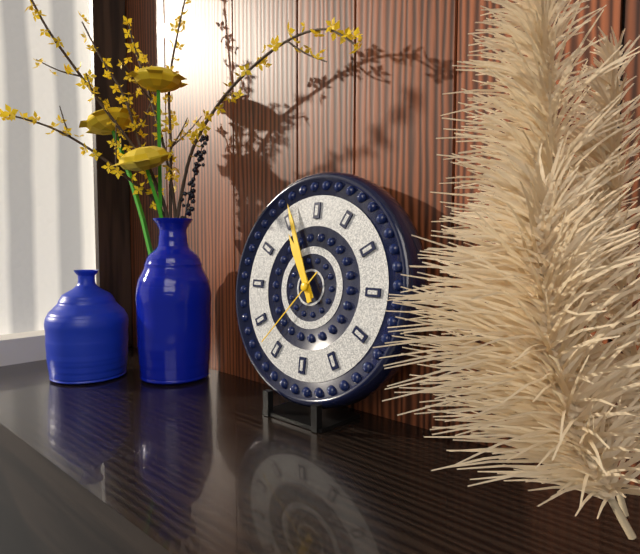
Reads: 10:56:37
